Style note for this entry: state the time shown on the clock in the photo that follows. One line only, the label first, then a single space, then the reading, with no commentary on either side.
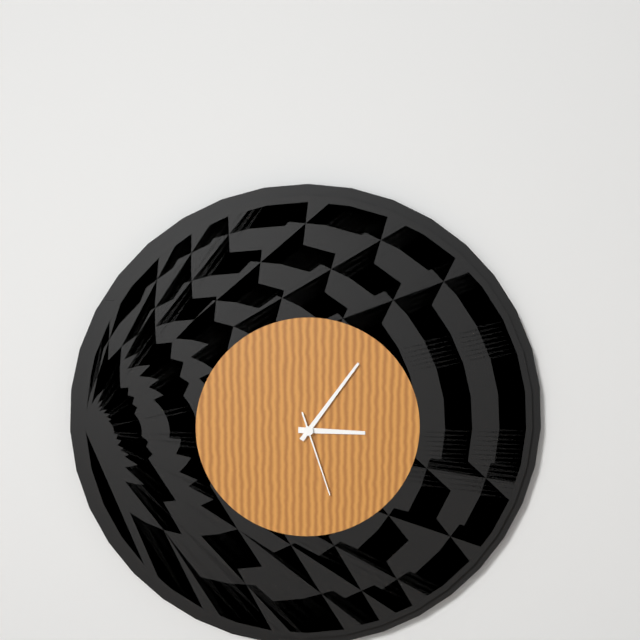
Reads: 3:06:27
